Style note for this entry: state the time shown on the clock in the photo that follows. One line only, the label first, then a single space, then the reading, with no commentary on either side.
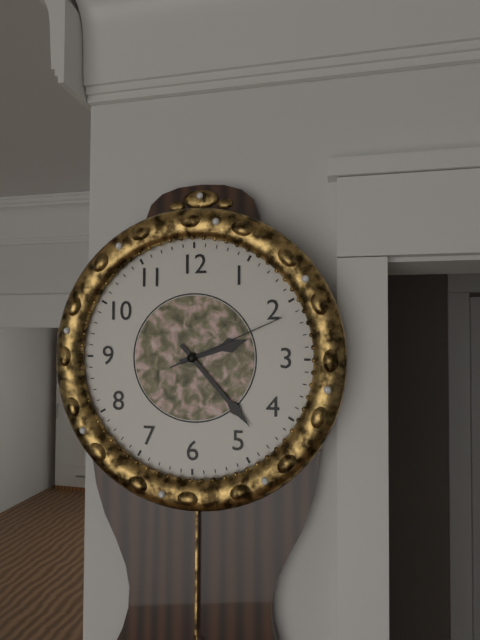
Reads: 2:23:11
